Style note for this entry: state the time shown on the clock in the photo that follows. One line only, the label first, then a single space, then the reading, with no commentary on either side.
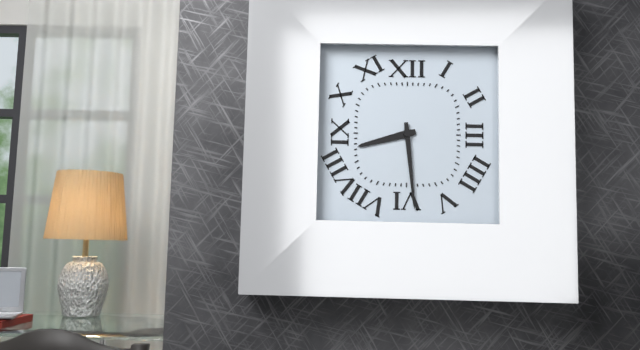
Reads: 8:29
